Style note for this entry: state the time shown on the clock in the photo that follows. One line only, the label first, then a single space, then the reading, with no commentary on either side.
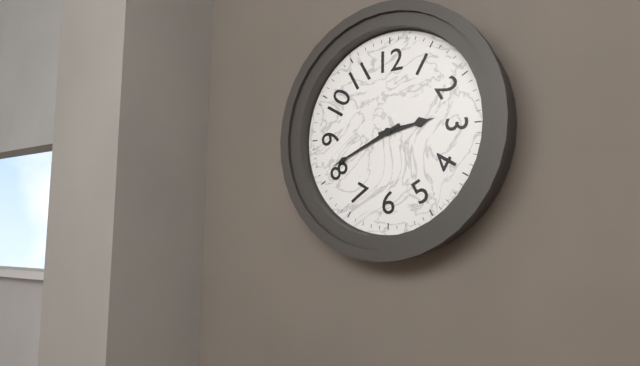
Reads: 2:41
